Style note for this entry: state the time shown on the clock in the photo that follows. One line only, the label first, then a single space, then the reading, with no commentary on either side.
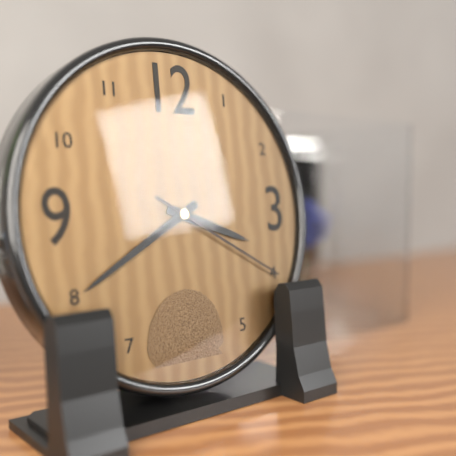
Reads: 3:40:20
